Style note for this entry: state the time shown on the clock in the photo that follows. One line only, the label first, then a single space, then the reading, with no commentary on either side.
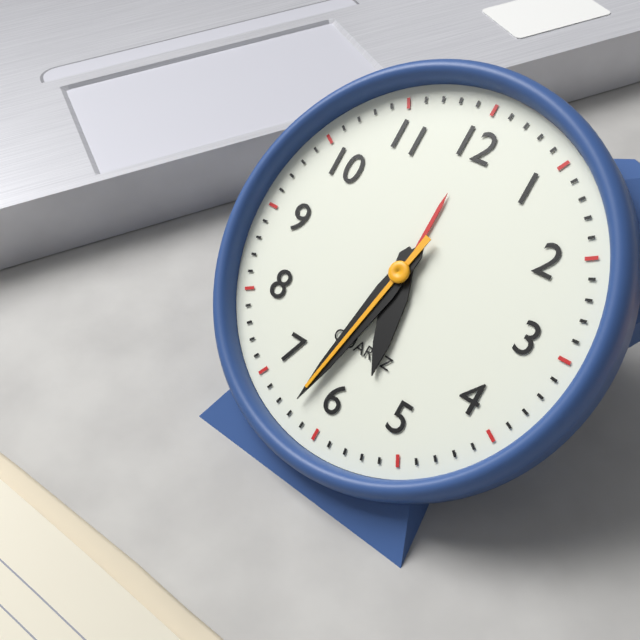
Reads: 5:32:32
